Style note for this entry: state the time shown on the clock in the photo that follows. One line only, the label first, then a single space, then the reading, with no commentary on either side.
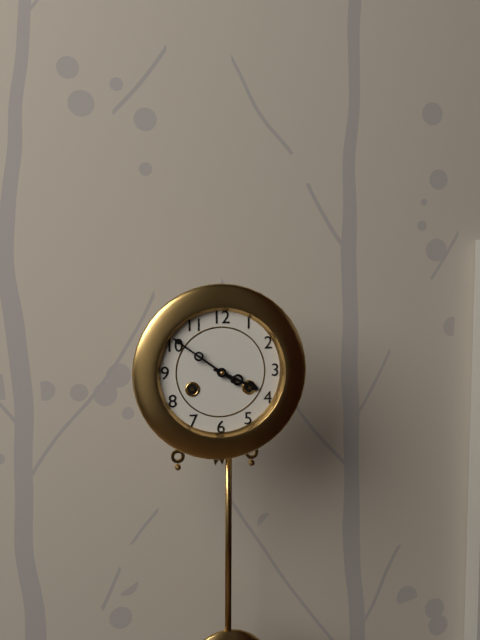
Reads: 3:51
